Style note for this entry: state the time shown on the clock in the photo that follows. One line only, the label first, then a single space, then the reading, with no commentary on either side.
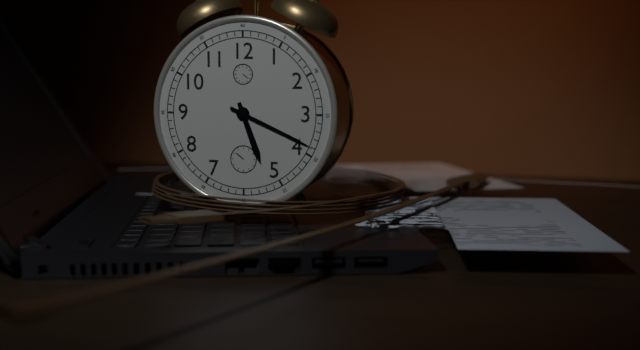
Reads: 5:19
